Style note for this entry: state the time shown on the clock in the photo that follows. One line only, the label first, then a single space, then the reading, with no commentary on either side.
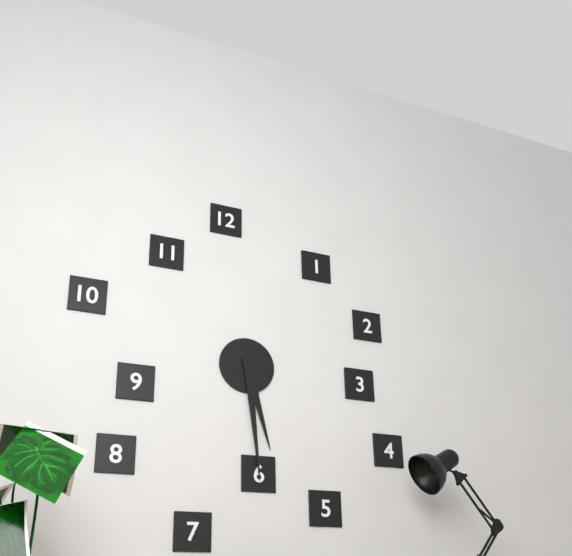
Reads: 5:29
